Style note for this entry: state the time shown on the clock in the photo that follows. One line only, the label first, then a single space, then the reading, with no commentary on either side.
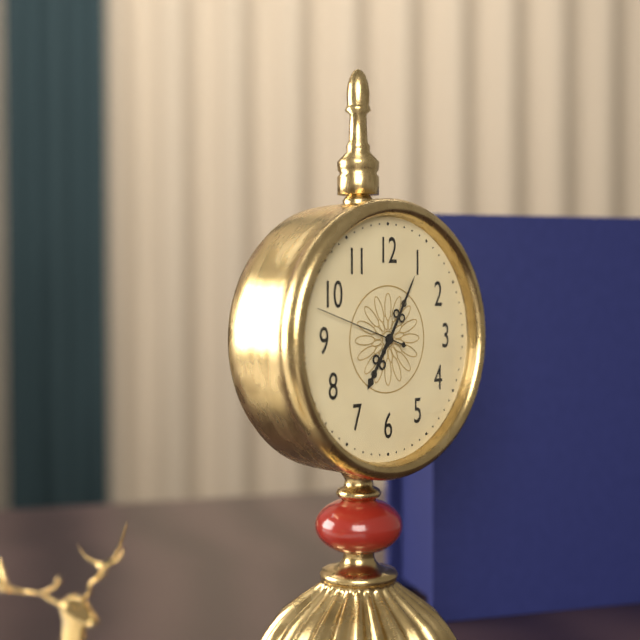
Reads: 7:05:48
